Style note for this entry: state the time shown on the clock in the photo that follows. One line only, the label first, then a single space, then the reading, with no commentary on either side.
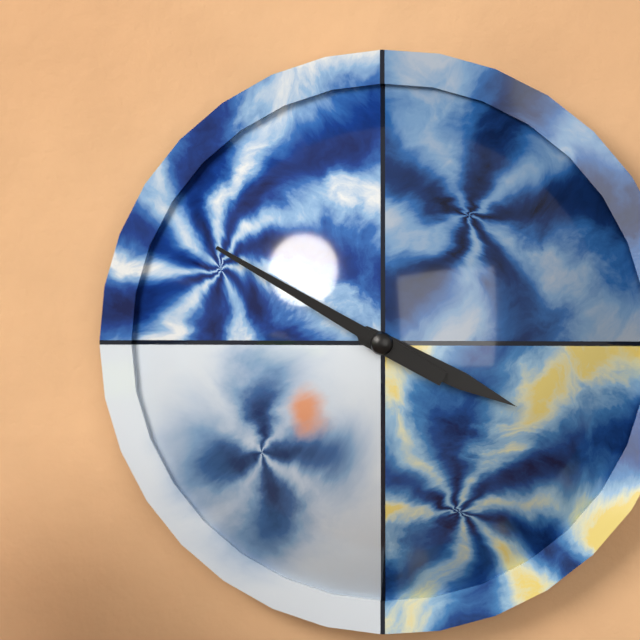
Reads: 3:50
